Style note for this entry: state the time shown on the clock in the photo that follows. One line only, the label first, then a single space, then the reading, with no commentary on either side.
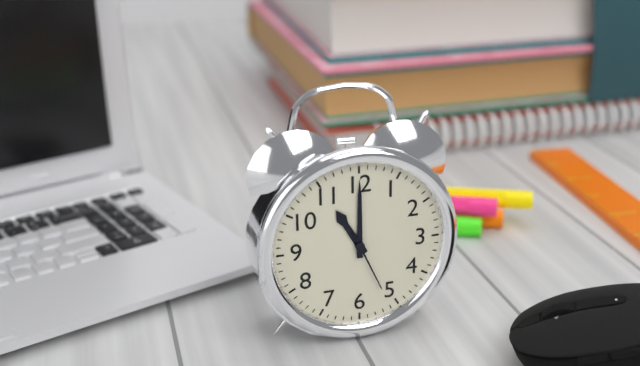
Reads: 11:00:26
